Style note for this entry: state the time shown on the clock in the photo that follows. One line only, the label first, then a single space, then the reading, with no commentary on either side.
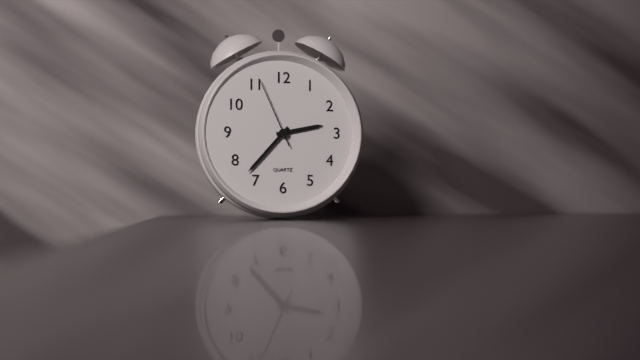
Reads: 2:37:56
